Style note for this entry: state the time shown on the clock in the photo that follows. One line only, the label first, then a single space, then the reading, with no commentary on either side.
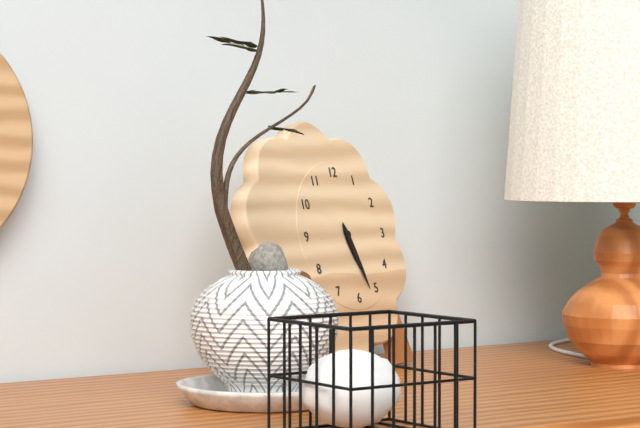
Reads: 5:27
